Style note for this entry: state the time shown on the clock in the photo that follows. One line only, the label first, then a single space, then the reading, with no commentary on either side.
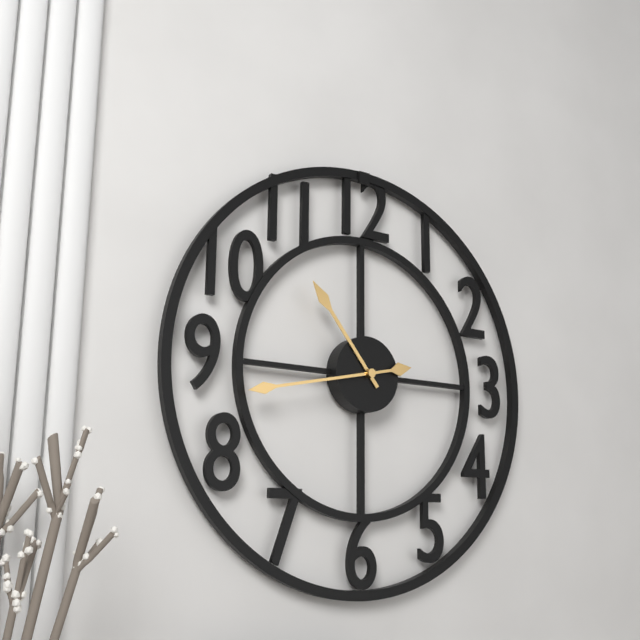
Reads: 10:43
